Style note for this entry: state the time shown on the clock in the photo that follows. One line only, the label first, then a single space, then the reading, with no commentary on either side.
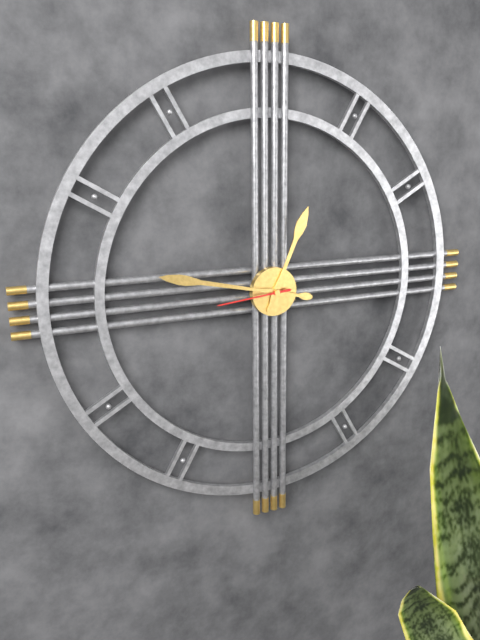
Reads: 12:47:44
